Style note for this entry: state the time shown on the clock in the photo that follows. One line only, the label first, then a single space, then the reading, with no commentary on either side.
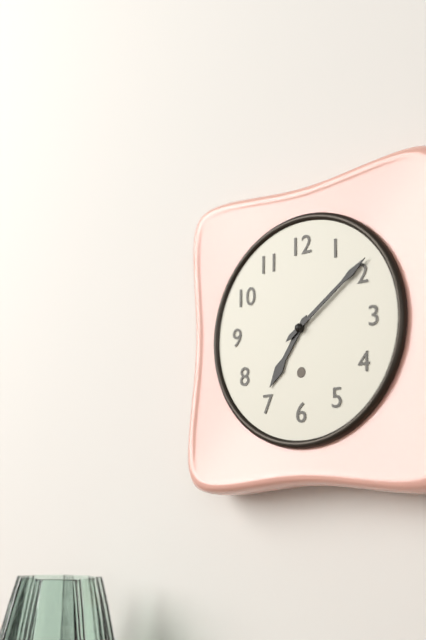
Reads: 7:09
